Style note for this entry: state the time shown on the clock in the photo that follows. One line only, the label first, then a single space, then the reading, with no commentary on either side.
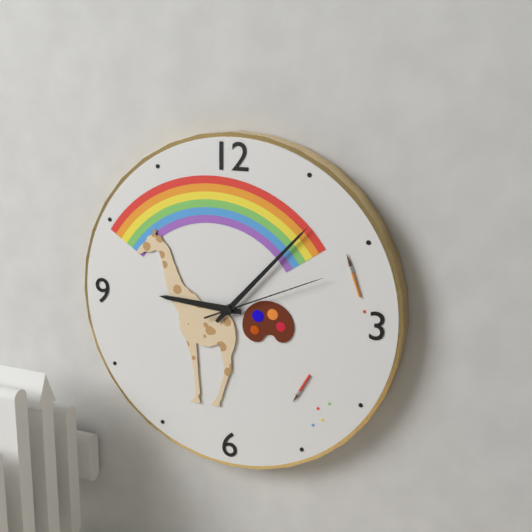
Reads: 9:07:11
